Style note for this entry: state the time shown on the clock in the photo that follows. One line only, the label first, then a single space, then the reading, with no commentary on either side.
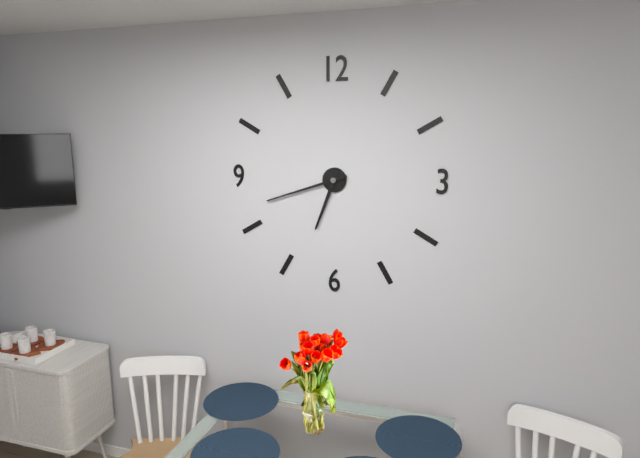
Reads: 6:42
